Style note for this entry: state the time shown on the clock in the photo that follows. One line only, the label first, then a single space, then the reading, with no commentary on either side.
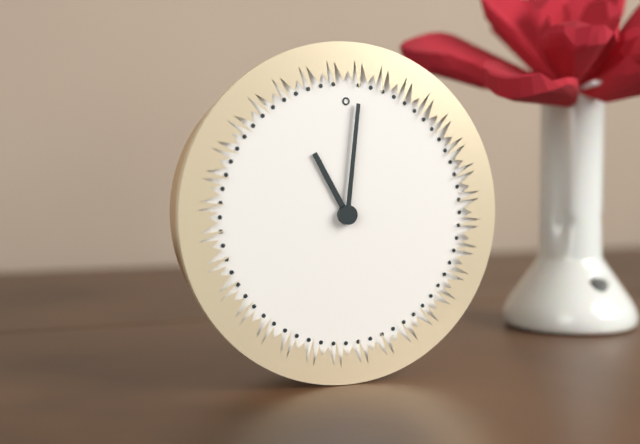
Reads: 11:01
